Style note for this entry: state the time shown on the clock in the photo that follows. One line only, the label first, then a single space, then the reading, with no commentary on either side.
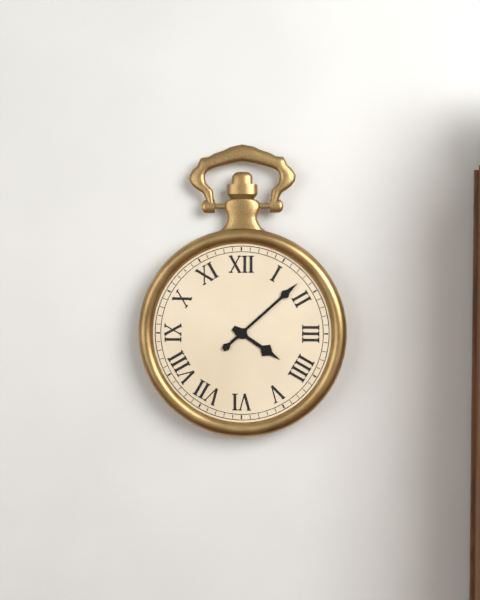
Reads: 4:08
